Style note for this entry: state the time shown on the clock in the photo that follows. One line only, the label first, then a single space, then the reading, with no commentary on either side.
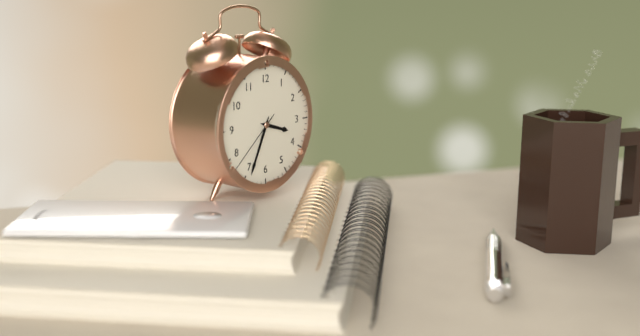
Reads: 3:34:38
